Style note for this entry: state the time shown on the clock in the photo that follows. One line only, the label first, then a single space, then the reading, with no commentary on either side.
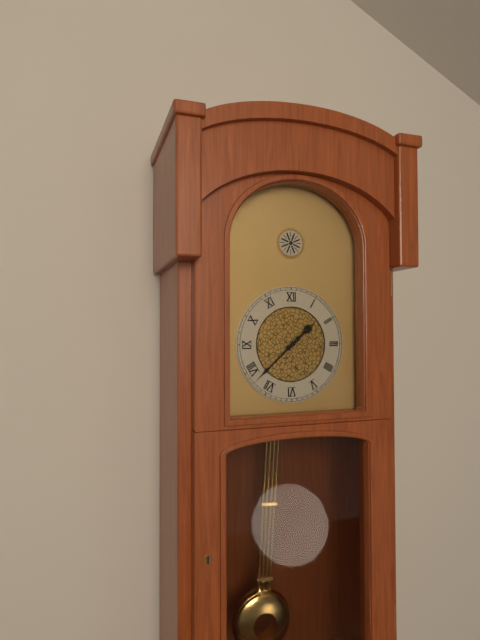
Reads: 1:38
